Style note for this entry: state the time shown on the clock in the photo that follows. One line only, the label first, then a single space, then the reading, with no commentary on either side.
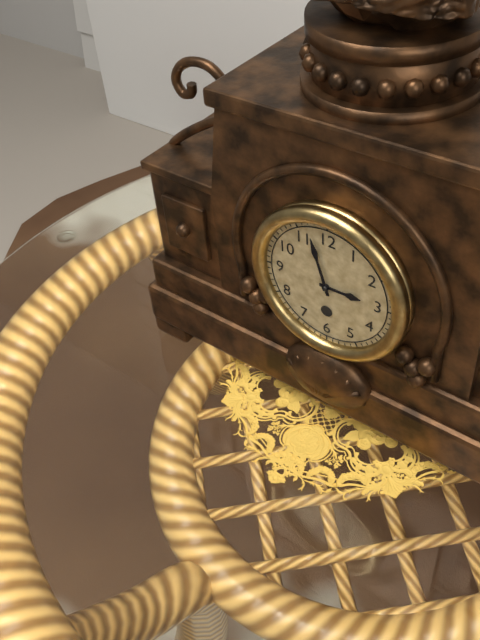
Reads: 2:57
